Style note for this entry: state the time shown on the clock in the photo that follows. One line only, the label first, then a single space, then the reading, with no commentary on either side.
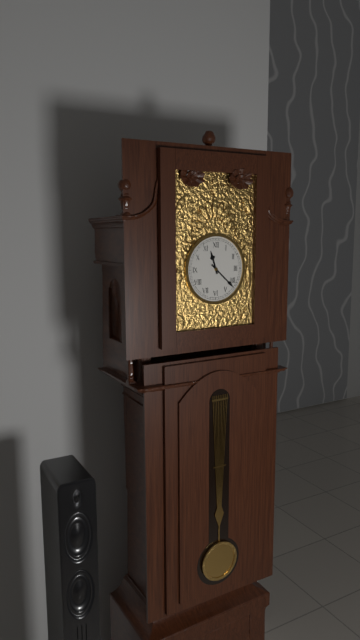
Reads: 11:22
